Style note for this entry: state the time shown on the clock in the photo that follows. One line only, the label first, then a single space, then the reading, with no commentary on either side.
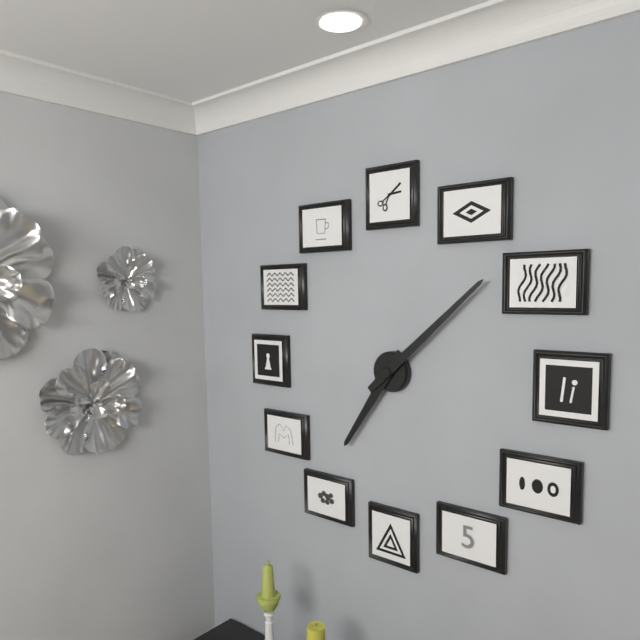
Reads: 7:08
